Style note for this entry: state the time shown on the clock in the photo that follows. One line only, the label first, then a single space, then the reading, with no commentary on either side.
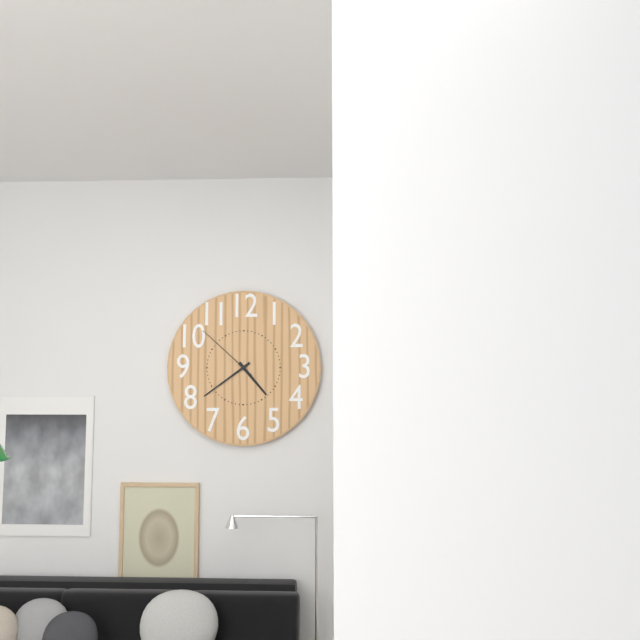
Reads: 4:39:52
